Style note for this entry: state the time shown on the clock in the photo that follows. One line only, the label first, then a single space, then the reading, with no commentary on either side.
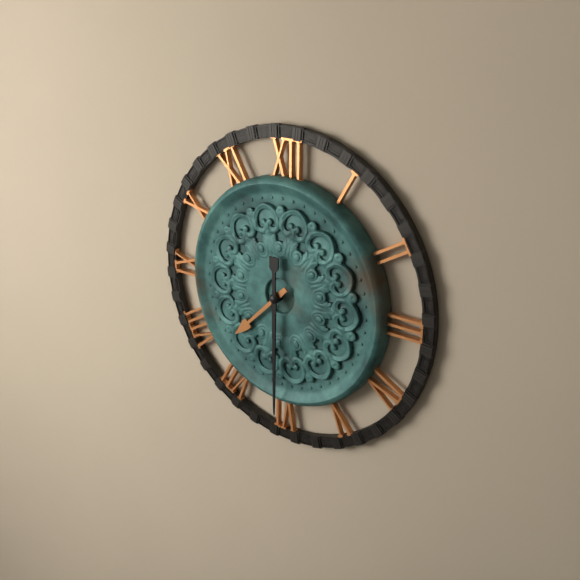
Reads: 7:30
